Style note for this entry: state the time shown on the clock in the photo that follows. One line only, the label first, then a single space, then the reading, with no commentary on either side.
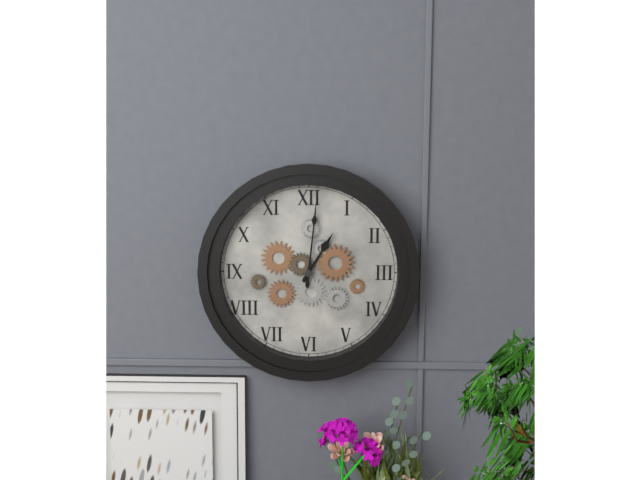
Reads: 1:01
